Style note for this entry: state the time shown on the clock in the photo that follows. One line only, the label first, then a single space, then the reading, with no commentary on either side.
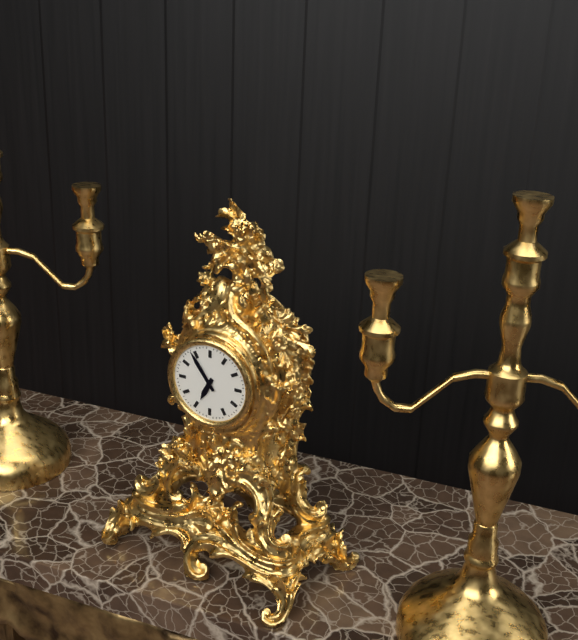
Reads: 6:54
